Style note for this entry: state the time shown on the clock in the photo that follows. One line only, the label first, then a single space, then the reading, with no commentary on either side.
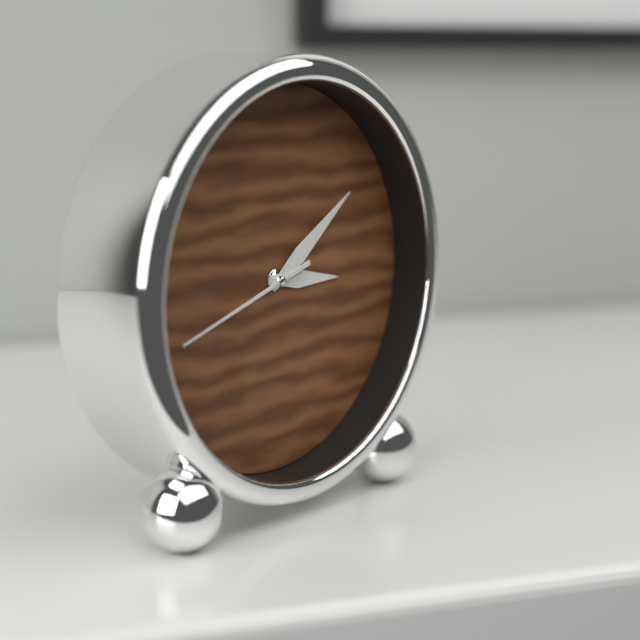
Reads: 3:09:42
